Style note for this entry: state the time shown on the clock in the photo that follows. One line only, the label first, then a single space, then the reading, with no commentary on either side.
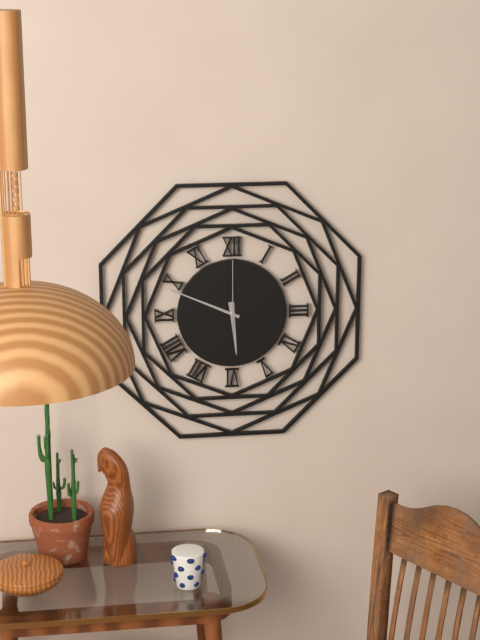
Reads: 5:49:00
